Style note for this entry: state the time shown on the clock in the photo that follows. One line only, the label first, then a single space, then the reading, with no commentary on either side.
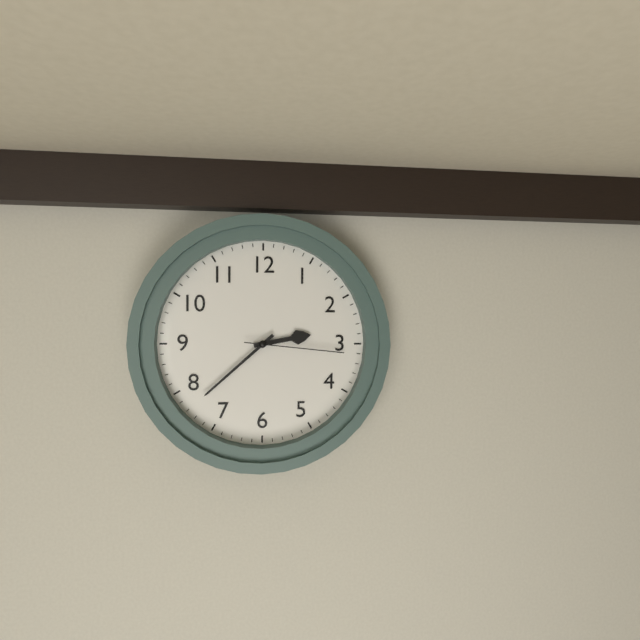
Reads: 2:38:16
